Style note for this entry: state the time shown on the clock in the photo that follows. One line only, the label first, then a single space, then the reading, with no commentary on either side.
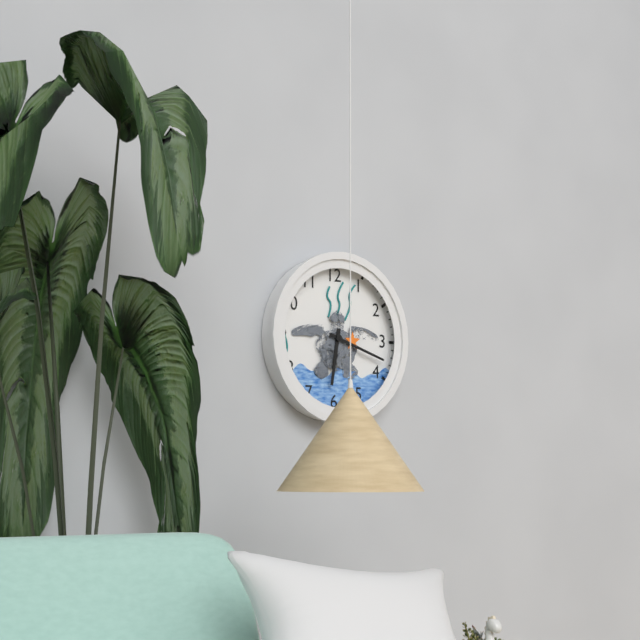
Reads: 6:18
